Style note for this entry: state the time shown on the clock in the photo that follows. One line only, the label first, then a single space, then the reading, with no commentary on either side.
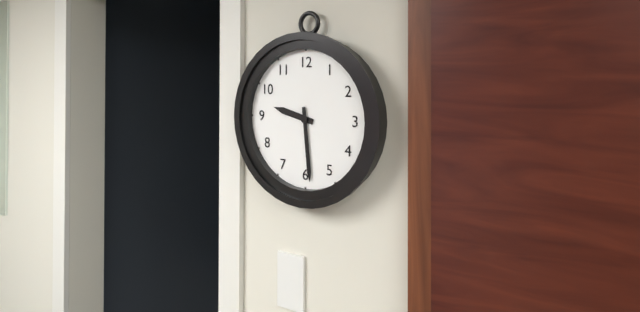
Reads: 9:29
